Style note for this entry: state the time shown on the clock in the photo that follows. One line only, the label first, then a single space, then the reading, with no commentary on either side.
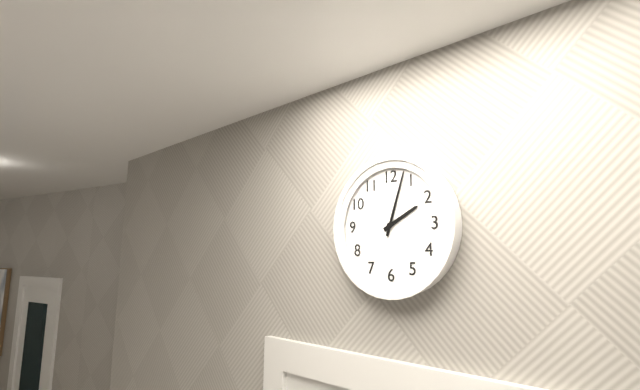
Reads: 2:03
